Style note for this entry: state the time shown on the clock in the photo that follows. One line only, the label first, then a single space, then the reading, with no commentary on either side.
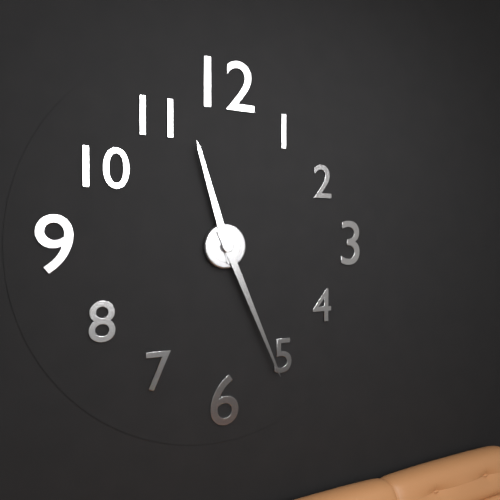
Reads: 11:26
